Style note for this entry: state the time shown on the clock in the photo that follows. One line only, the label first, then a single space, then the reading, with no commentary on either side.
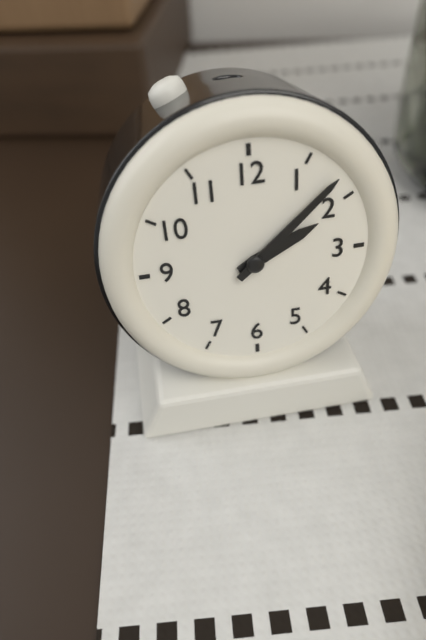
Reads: 2:08
